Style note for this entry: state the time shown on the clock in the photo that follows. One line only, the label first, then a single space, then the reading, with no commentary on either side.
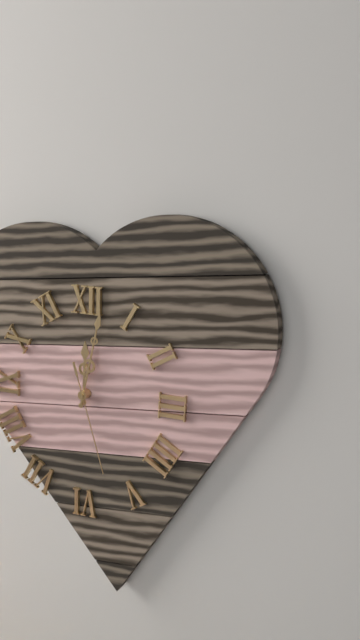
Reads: 12:02:27
